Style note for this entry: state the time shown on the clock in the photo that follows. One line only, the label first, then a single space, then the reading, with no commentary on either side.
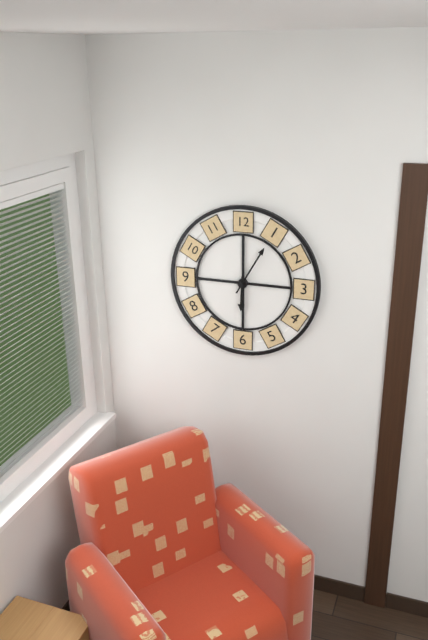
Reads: 6:05
